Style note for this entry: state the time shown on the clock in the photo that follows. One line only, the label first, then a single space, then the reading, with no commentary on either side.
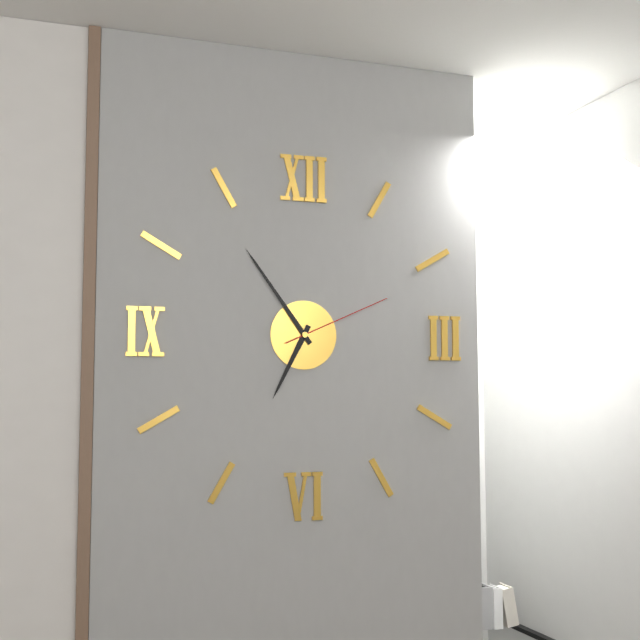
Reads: 6:54:11
